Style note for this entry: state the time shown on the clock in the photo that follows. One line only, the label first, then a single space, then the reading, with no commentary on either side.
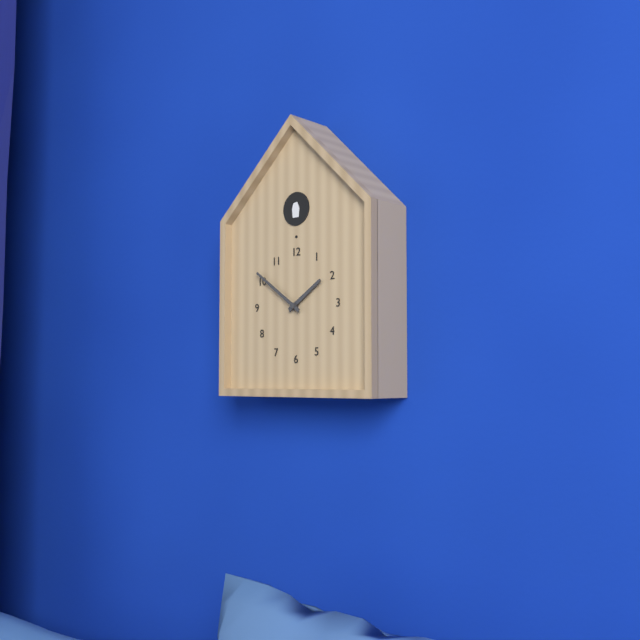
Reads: 1:51
